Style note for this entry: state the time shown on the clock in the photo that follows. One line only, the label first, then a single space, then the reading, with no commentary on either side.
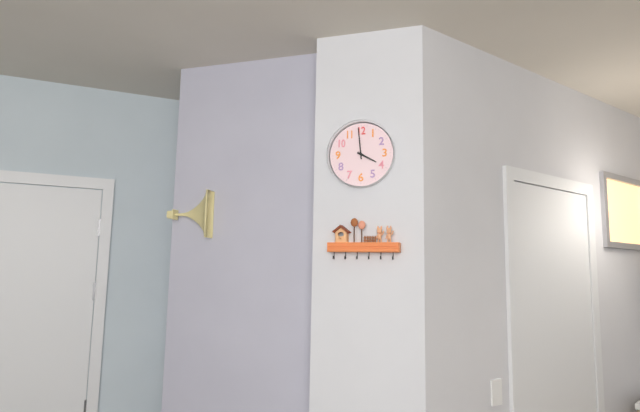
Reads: 3:59
